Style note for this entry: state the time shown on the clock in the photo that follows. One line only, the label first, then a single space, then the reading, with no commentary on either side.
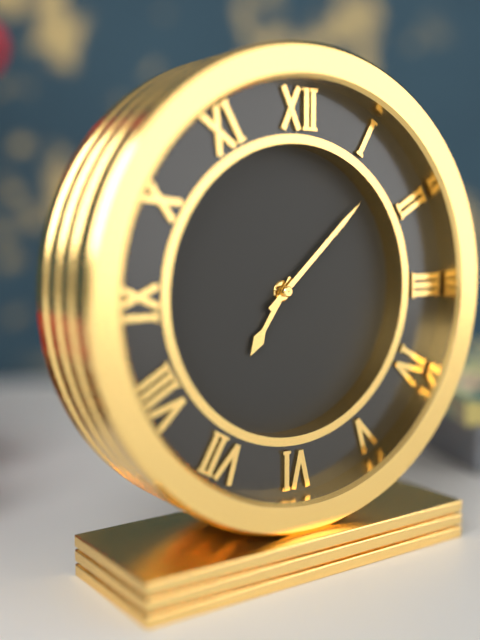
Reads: 7:08
